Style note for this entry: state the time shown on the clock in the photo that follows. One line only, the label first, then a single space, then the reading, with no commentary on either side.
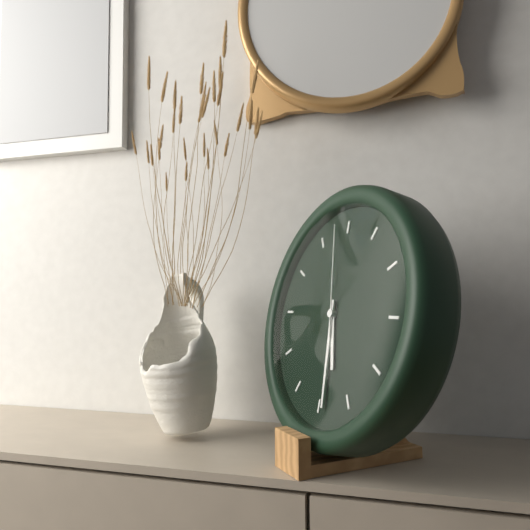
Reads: 5:29:58
